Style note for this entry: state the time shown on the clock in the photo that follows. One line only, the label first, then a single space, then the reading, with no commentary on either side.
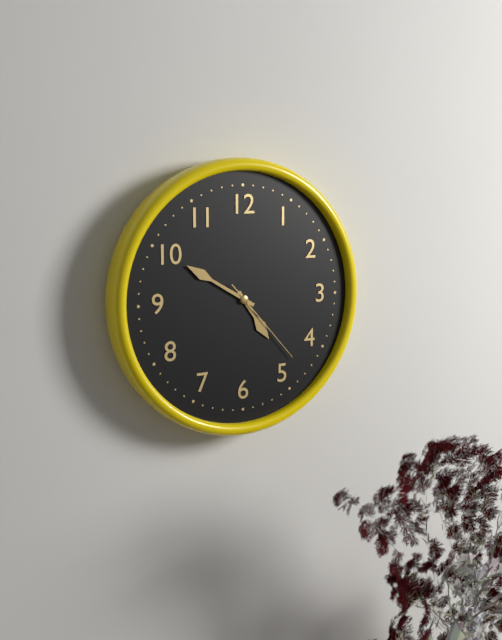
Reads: 4:50:23
